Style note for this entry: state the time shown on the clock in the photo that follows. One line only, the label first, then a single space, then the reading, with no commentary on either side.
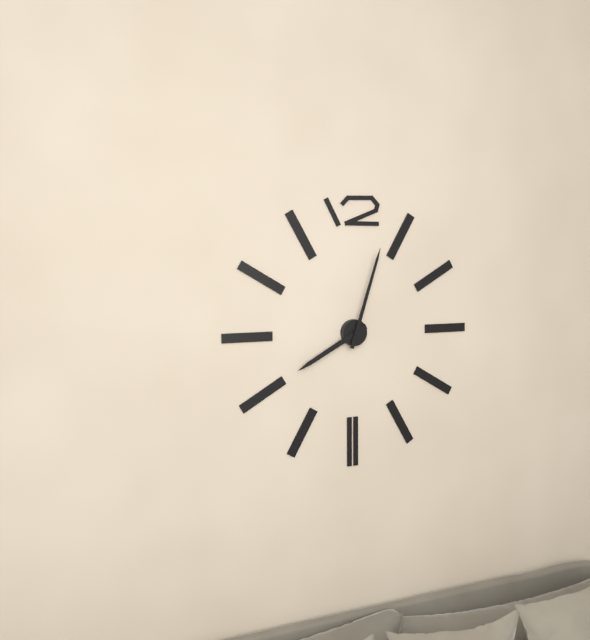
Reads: 8:03
